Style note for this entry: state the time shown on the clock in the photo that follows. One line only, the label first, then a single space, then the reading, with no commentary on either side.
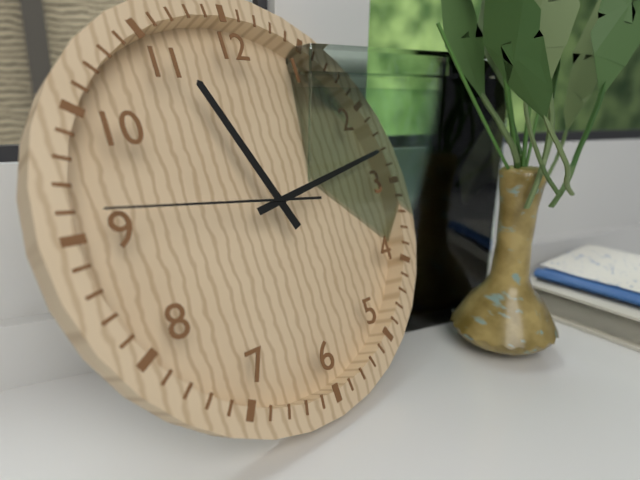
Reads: 11:13:46
